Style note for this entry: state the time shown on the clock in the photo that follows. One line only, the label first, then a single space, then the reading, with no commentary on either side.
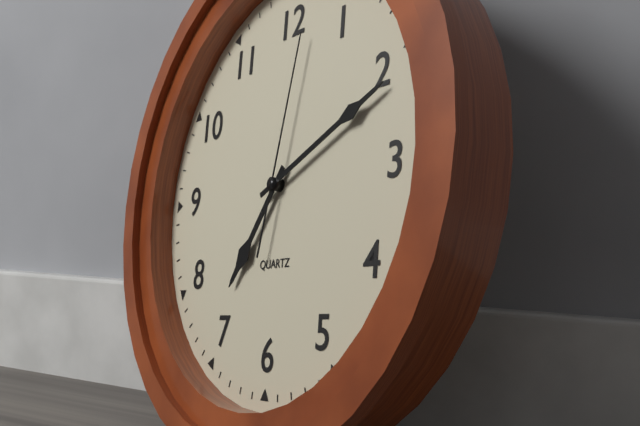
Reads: 7:11:02
